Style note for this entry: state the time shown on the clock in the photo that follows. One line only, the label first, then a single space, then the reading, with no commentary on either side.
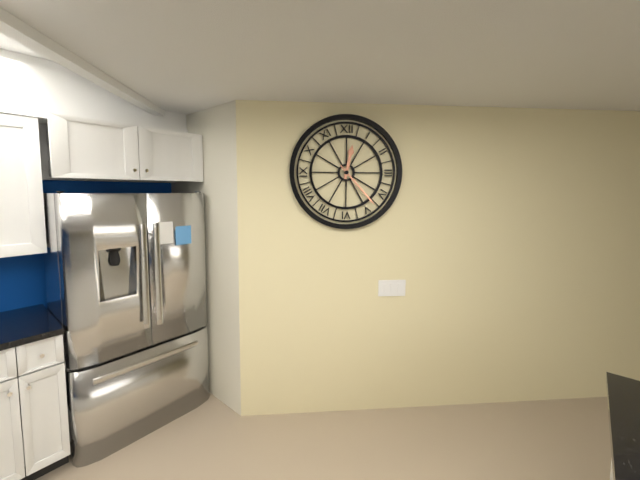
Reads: 12:23
